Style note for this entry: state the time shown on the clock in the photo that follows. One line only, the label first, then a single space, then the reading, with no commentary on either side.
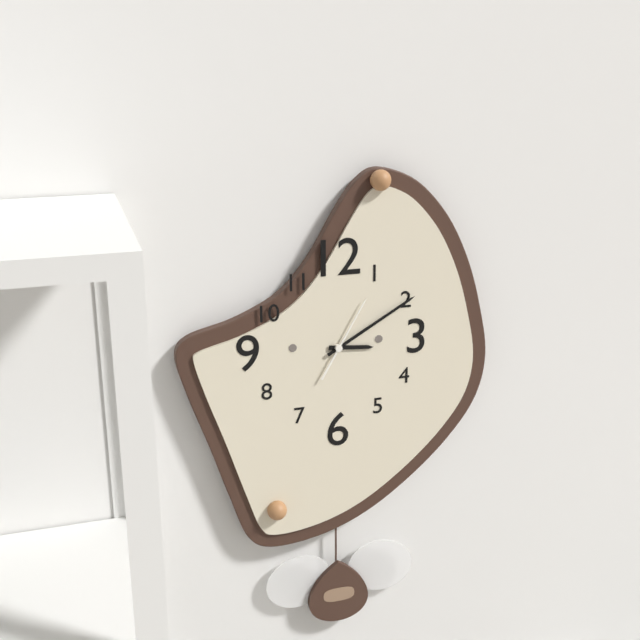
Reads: 3:10:05
